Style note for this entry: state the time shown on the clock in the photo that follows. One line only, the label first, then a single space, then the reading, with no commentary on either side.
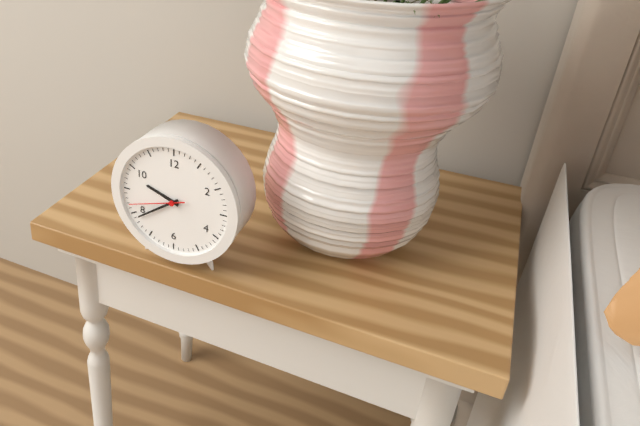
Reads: 9:39:42
